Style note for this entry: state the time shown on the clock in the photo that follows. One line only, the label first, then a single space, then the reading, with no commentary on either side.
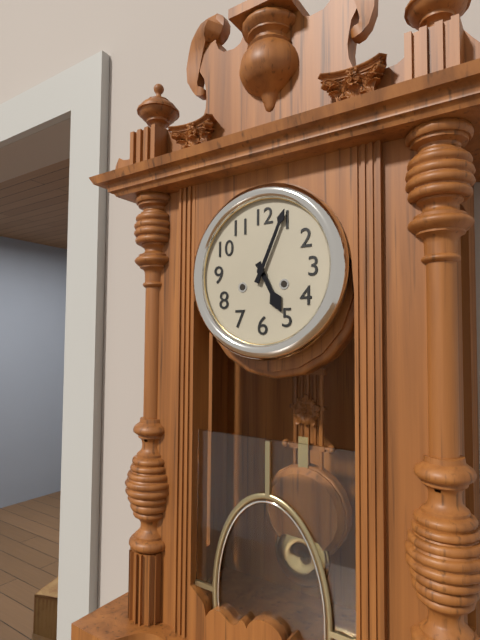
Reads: 5:04
